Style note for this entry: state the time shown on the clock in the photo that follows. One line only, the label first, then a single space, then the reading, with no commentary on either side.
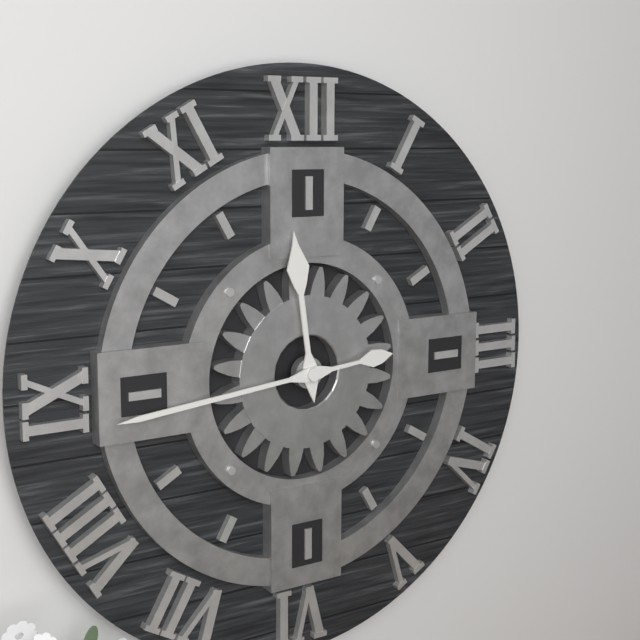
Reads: 11:44
